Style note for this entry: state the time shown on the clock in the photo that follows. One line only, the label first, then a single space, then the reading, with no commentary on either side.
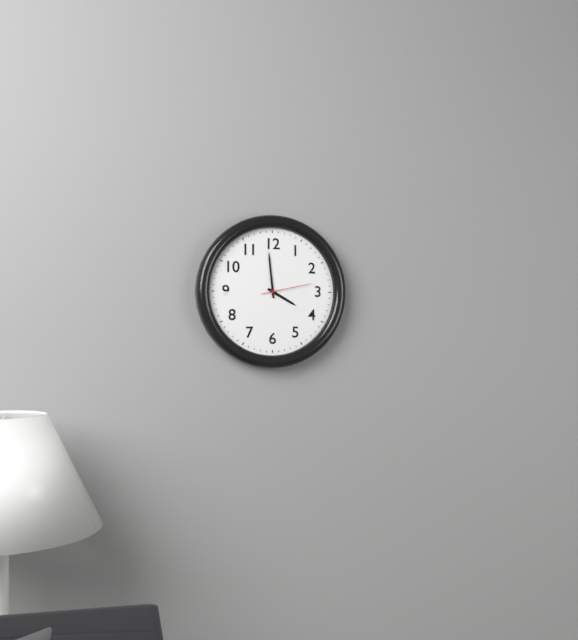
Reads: 3:59:13
